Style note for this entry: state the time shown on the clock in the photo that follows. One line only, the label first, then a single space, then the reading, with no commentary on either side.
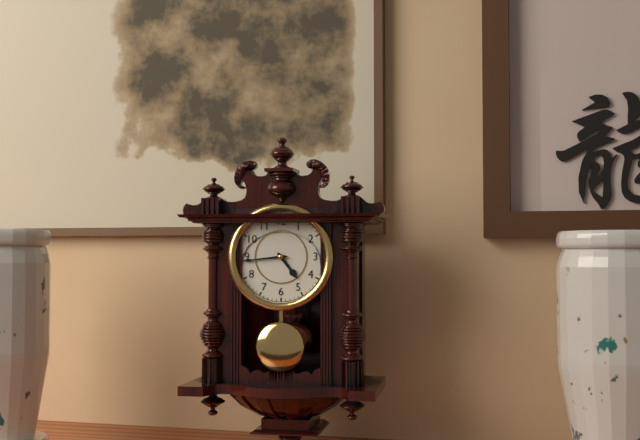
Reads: 4:44
